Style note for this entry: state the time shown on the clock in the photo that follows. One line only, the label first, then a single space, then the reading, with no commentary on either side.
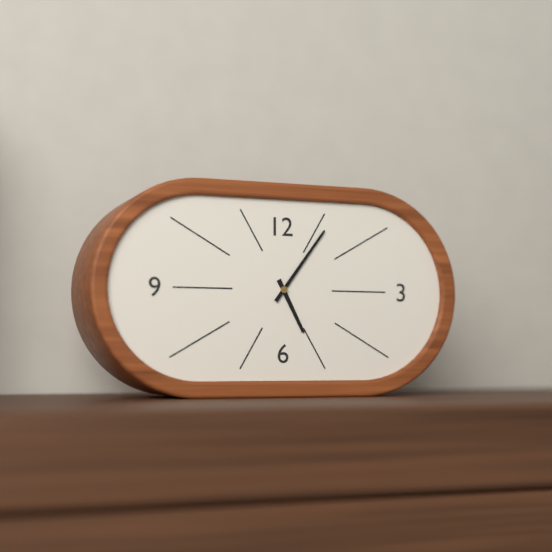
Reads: 5:06
